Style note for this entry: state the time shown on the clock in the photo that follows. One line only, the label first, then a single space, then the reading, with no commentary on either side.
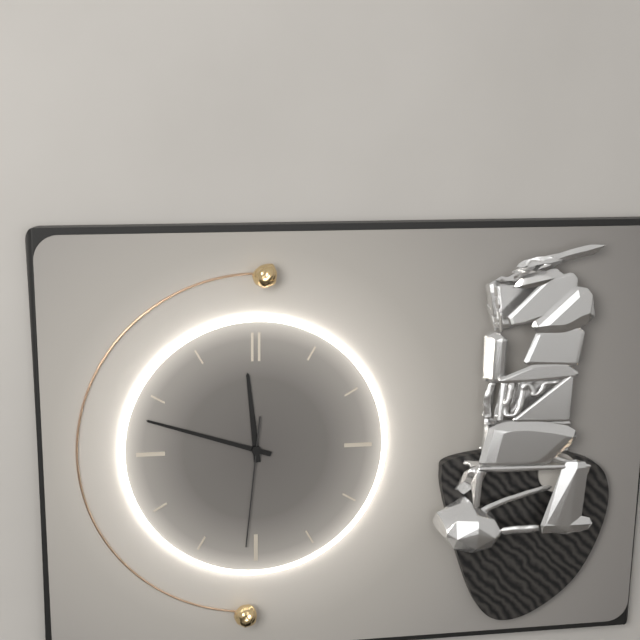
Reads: 11:48:31
